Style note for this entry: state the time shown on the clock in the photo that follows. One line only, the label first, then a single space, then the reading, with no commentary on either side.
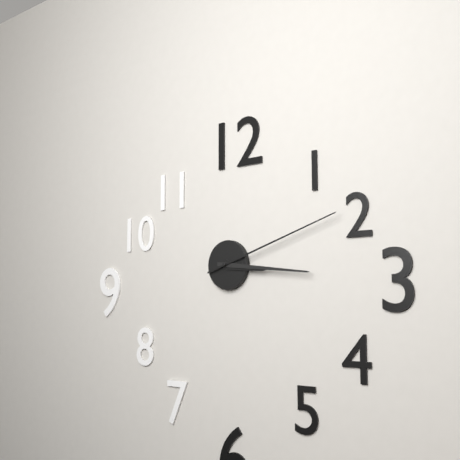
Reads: 3:16:12
